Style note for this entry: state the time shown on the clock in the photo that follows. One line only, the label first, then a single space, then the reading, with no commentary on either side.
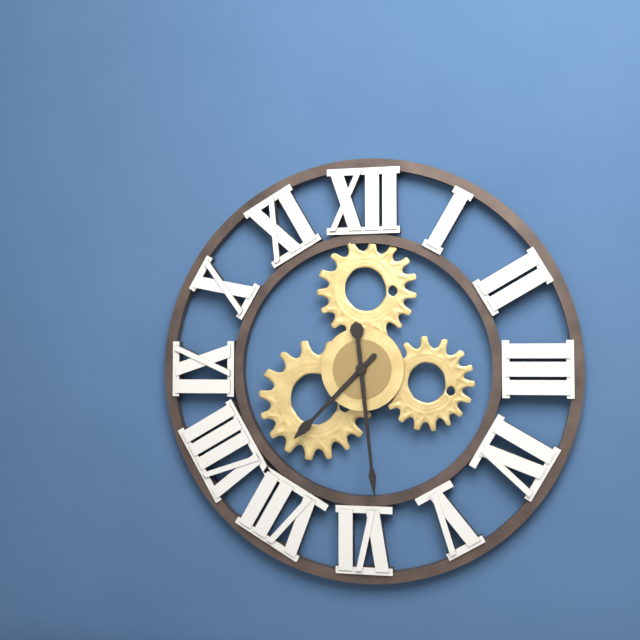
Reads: 7:29
